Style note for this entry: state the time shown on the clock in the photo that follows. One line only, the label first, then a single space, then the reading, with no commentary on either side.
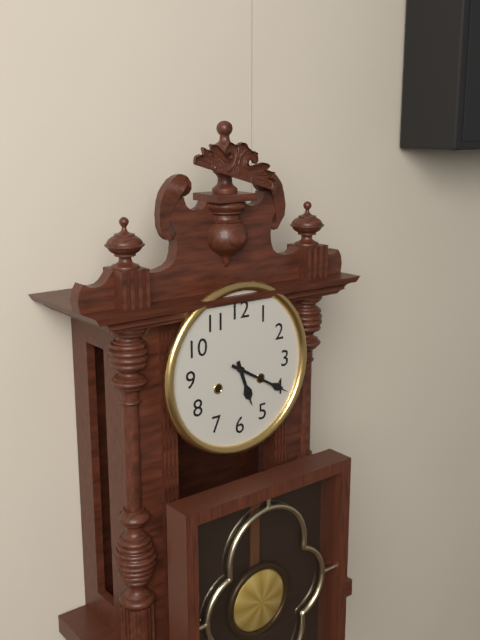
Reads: 5:20
